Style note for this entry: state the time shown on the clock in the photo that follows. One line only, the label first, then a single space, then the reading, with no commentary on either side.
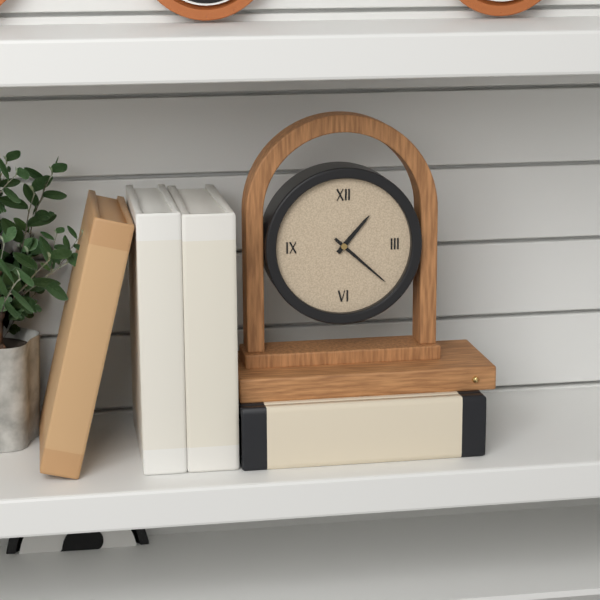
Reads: 1:22
